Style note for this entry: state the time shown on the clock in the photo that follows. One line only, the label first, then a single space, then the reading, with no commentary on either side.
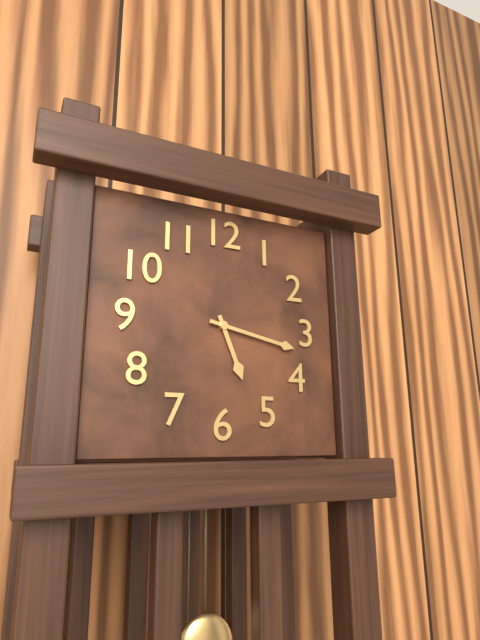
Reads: 5:17
